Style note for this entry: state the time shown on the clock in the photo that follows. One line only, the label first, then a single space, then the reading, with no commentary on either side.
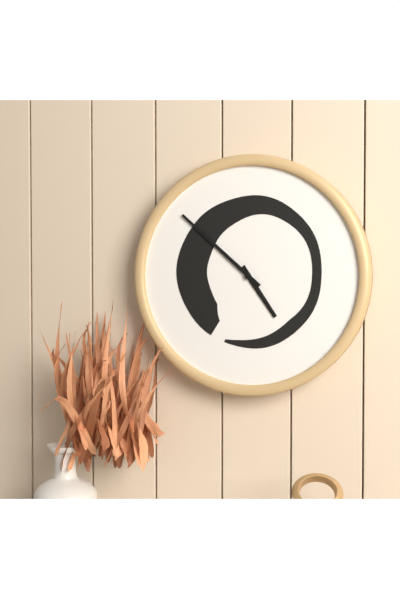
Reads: 4:52
